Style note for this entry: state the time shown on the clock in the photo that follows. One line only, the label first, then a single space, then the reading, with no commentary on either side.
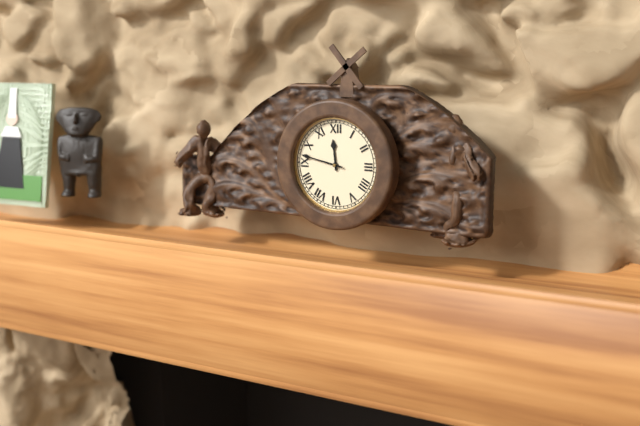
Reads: 11:47
